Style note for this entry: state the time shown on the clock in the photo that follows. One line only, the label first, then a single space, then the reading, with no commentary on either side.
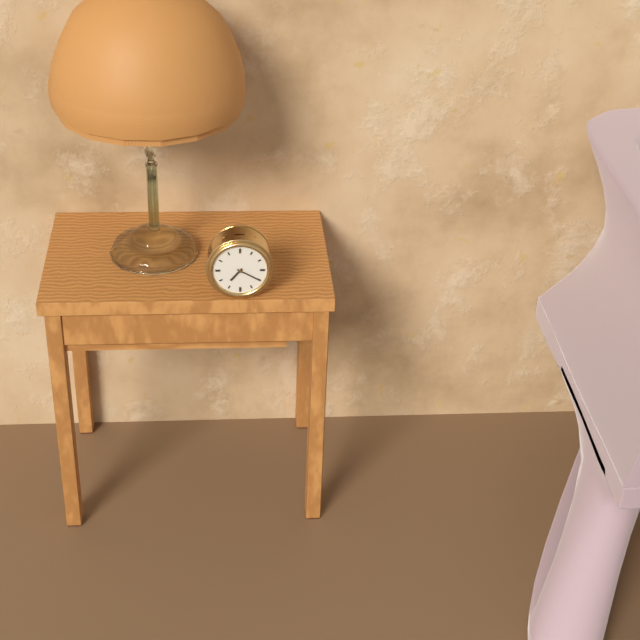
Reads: 7:20
